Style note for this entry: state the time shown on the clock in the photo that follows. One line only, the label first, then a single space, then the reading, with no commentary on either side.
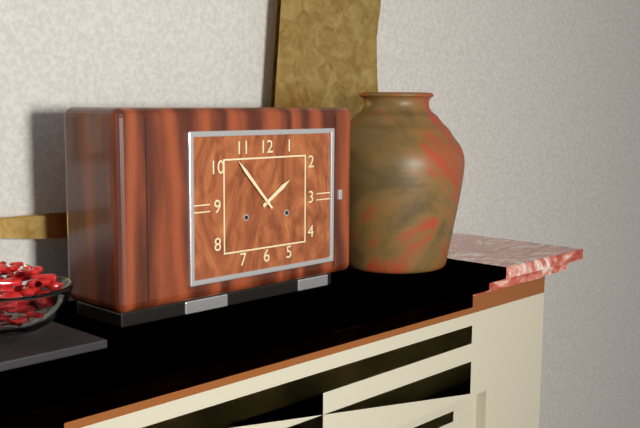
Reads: 1:53
